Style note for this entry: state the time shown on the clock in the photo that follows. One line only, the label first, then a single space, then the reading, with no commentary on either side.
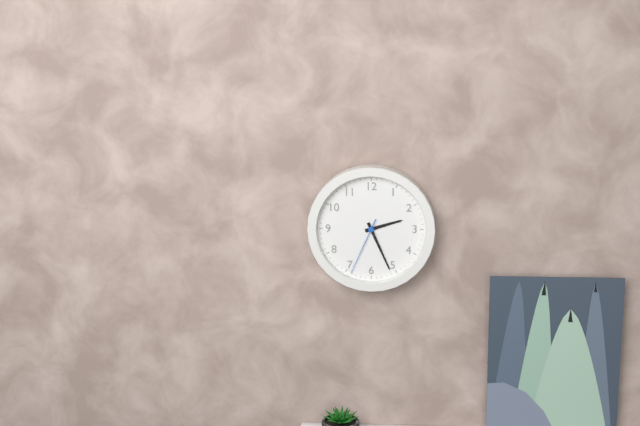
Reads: 2:26:34
